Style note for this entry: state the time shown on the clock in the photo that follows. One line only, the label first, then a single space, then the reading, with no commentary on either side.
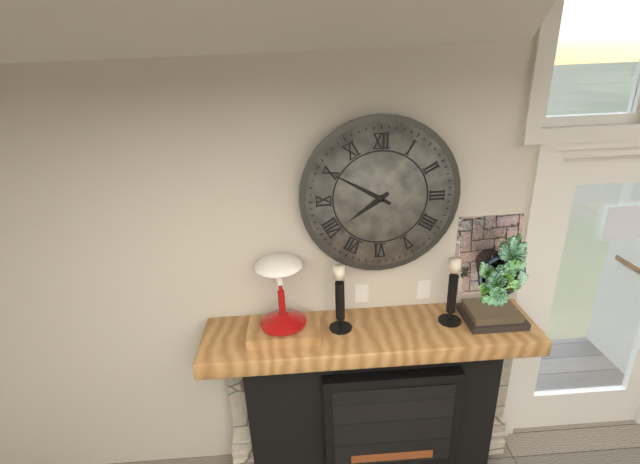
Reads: 7:50
